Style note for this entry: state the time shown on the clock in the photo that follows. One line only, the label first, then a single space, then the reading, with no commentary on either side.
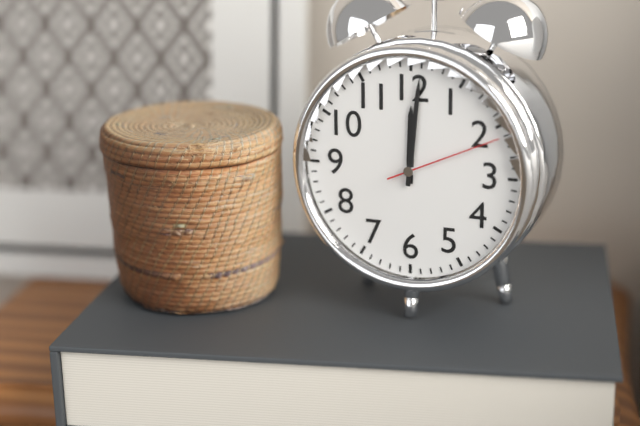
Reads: 12:01:11
